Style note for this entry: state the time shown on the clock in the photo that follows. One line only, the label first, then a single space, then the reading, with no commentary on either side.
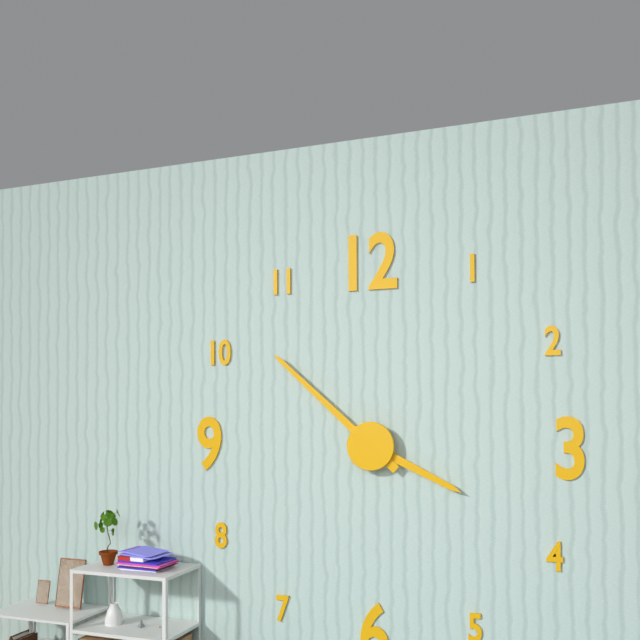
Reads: 3:52
